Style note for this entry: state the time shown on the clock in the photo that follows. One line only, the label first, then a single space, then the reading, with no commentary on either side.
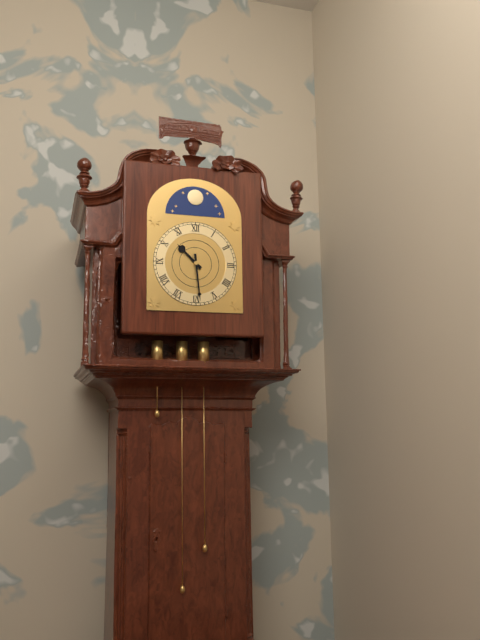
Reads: 10:29
